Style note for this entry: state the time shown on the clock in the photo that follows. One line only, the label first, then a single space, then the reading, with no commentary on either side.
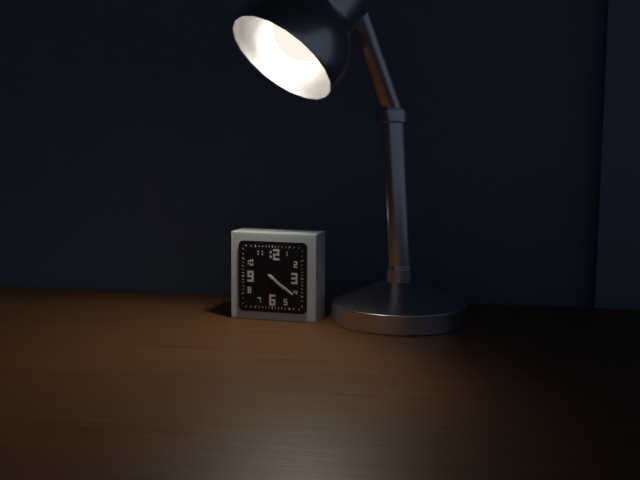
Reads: 4:21
